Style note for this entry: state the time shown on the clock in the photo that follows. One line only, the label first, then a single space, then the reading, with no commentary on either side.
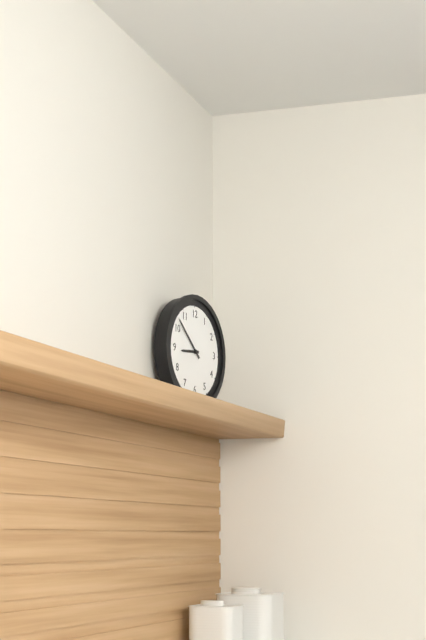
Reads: 8:52
